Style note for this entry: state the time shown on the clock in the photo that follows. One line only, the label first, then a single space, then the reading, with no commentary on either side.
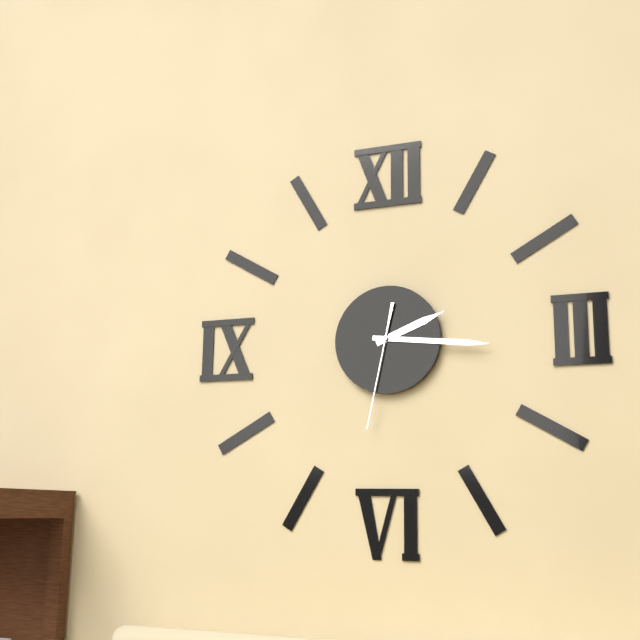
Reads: 2:16:32
